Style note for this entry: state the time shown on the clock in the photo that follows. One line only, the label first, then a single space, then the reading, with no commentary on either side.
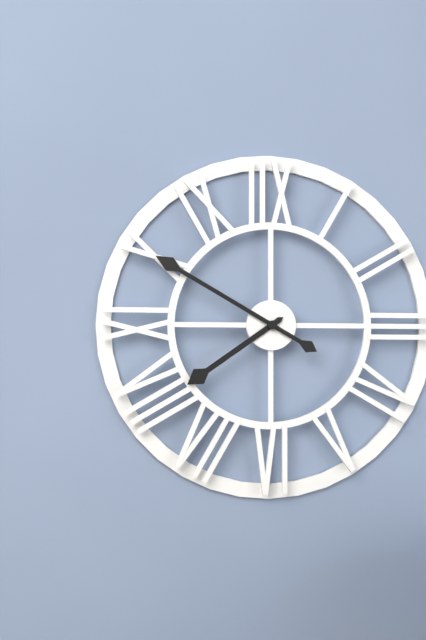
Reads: 7:50
